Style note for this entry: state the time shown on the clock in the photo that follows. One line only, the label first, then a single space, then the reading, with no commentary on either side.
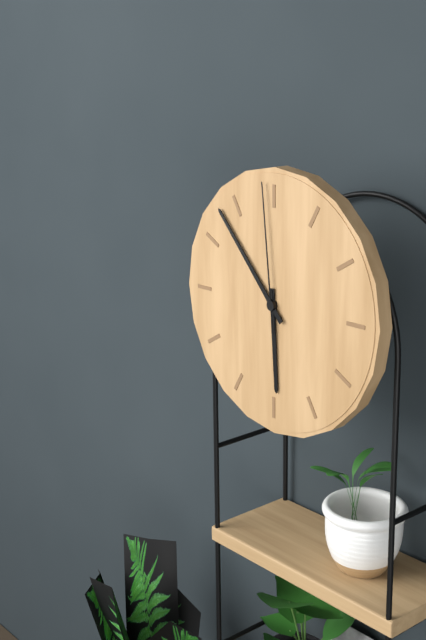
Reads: 5:53:59
